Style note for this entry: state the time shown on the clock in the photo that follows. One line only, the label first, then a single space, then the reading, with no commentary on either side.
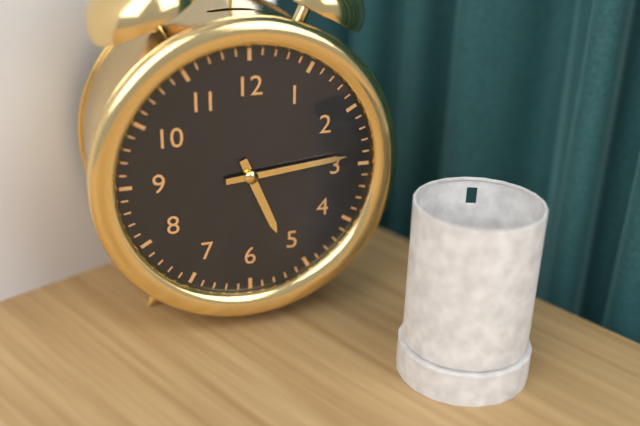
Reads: 5:14
